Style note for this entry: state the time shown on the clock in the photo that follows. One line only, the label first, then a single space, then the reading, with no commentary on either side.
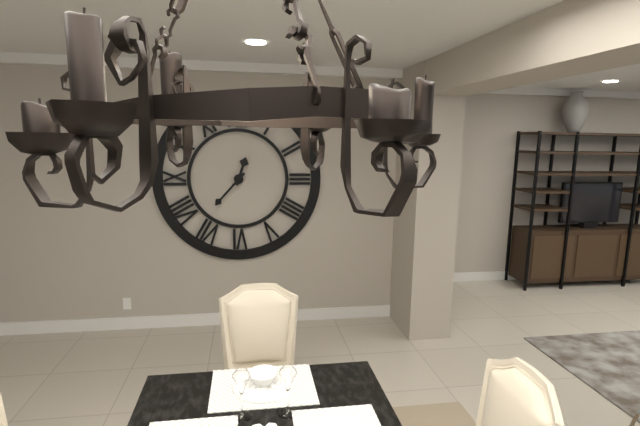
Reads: 12:37
